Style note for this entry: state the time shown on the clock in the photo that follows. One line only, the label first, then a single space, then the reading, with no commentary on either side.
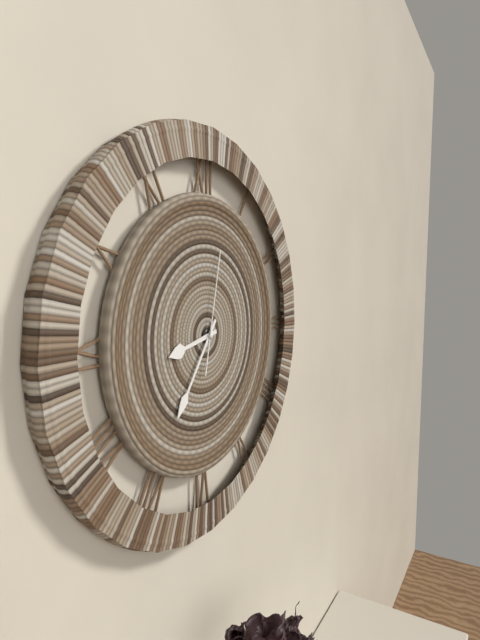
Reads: 8:36:02
